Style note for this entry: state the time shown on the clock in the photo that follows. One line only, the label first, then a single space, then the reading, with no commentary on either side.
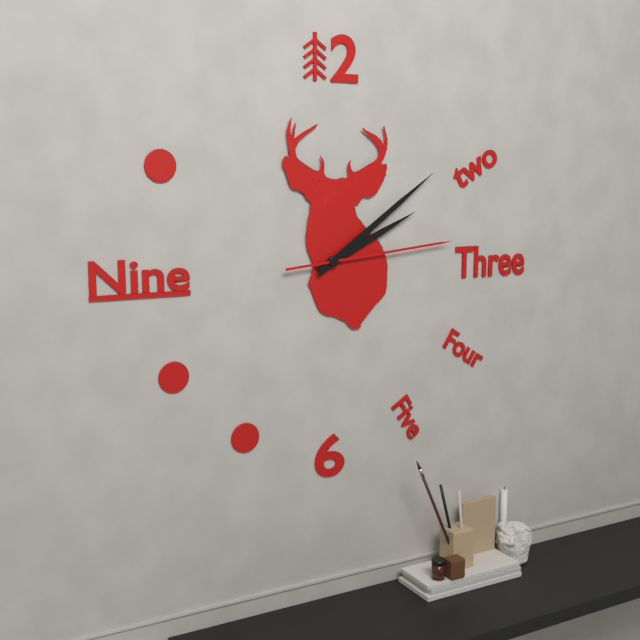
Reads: 2:09:14
